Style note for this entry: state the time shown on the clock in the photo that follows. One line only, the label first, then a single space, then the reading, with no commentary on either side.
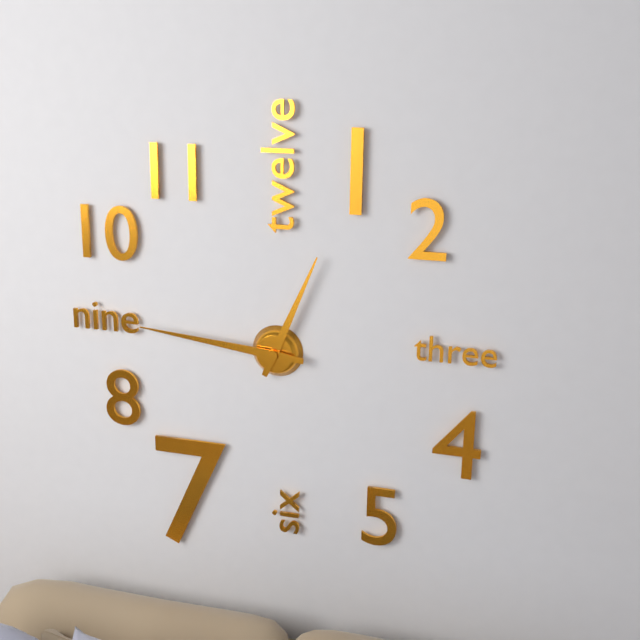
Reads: 12:46
